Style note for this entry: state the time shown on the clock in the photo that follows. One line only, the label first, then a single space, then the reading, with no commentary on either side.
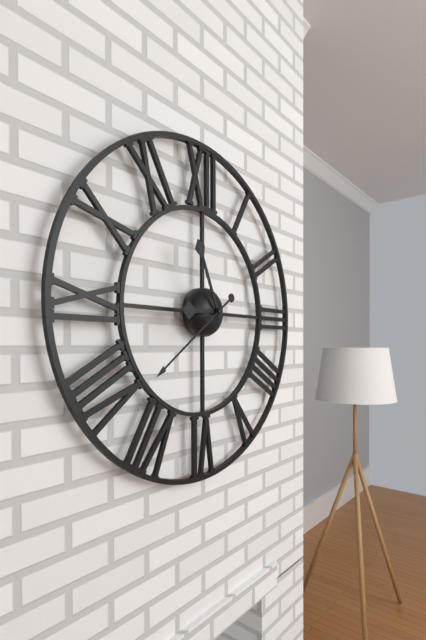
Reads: 8:56:39
